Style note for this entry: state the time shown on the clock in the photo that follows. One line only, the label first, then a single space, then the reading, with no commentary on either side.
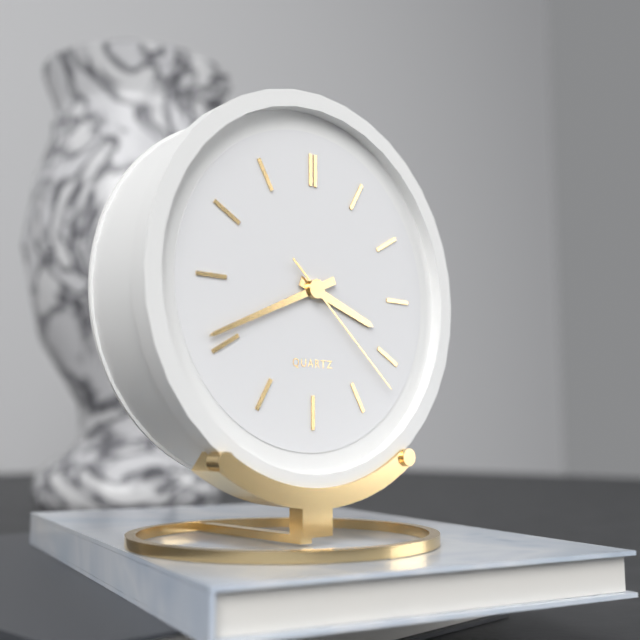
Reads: 3:41:22
